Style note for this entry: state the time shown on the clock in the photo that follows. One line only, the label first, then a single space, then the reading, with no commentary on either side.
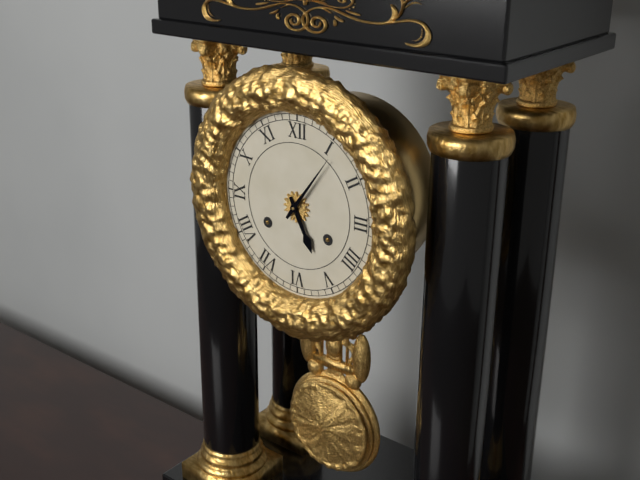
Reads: 5:06
